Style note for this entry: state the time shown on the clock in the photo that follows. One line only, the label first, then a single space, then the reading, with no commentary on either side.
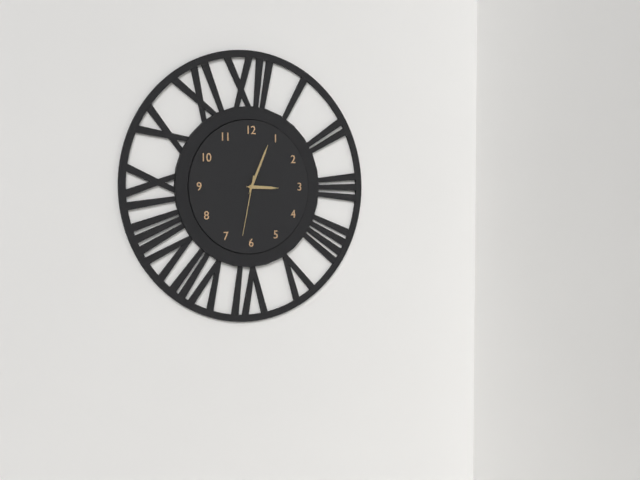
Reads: 3:04:32
